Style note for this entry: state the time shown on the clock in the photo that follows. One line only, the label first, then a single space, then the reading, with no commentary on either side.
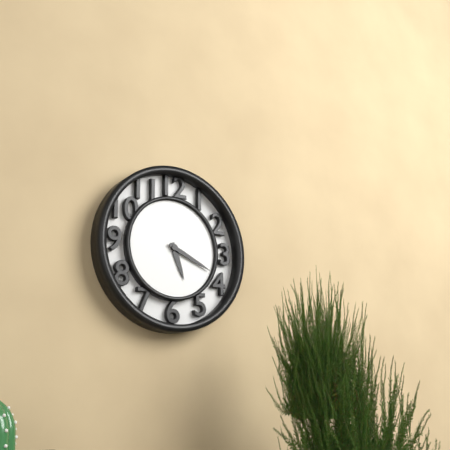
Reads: 5:19
